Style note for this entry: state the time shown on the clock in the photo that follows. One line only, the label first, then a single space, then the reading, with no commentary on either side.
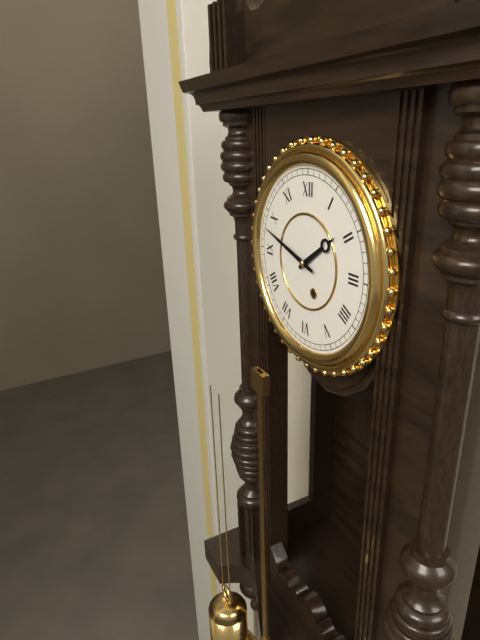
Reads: 1:48
